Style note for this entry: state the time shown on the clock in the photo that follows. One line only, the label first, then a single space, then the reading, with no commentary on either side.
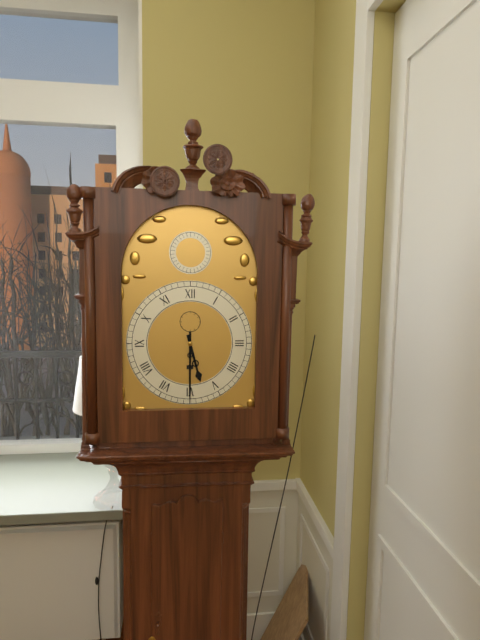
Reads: 5:30
